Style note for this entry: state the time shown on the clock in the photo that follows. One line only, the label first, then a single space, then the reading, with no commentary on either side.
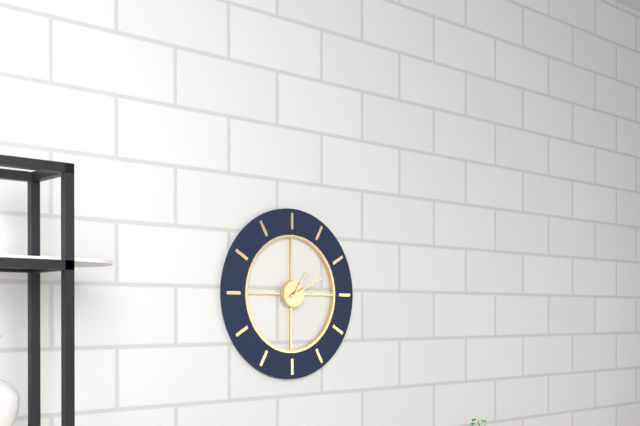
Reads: 1:11
